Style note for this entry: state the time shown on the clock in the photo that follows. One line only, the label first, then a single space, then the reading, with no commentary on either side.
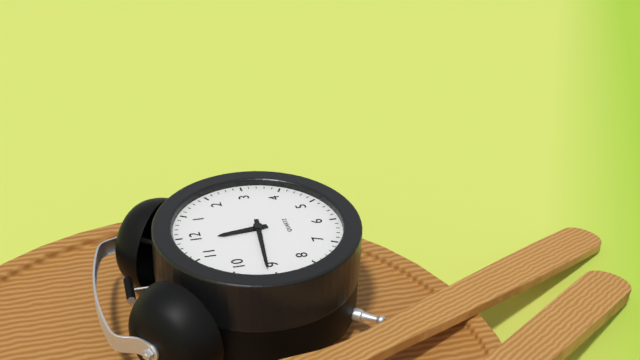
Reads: 11:46
